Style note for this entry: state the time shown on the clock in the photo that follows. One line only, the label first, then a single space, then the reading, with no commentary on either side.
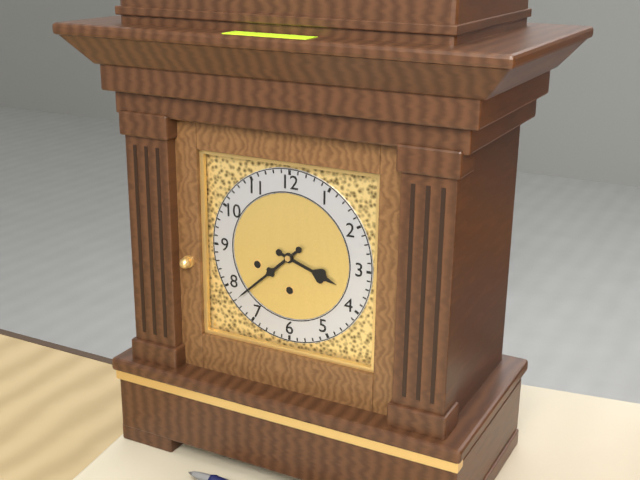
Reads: 3:38
